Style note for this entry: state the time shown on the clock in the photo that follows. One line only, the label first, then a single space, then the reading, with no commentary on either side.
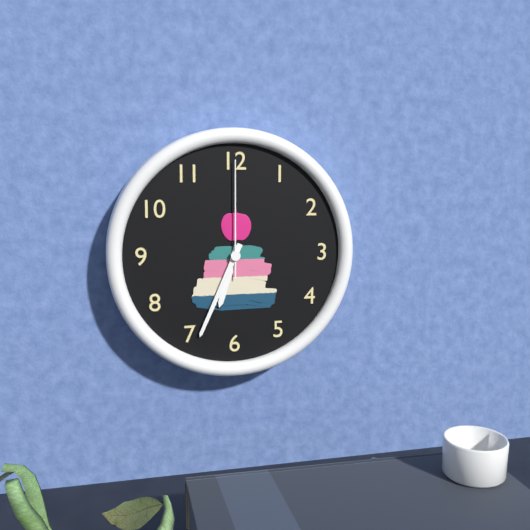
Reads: 6:34:00
